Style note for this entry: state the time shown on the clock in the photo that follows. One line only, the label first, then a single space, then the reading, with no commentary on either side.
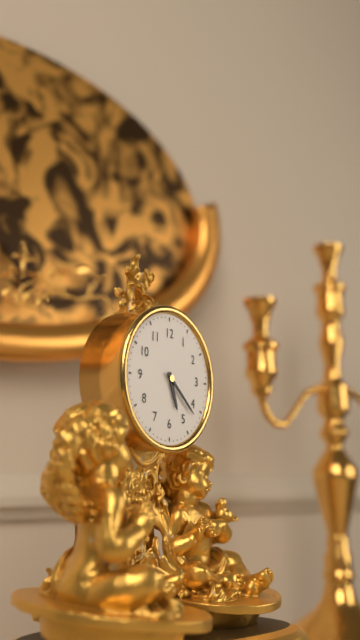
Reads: 5:22
